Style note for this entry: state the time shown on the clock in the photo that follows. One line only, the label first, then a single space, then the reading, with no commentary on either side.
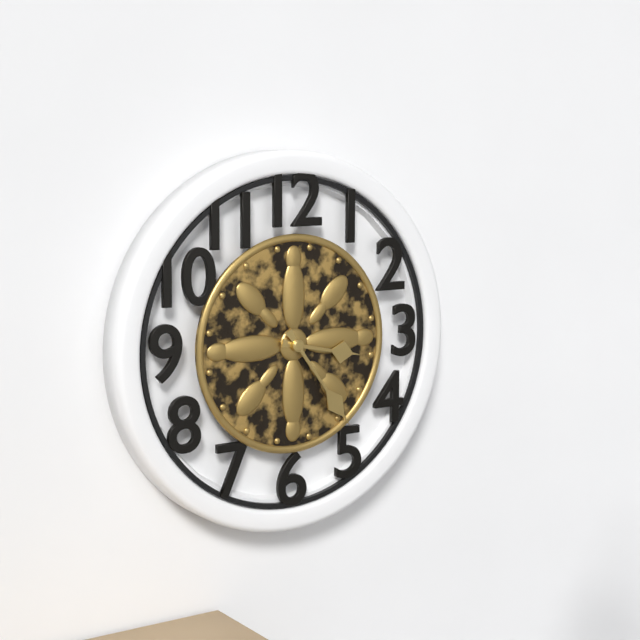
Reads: 3:24
